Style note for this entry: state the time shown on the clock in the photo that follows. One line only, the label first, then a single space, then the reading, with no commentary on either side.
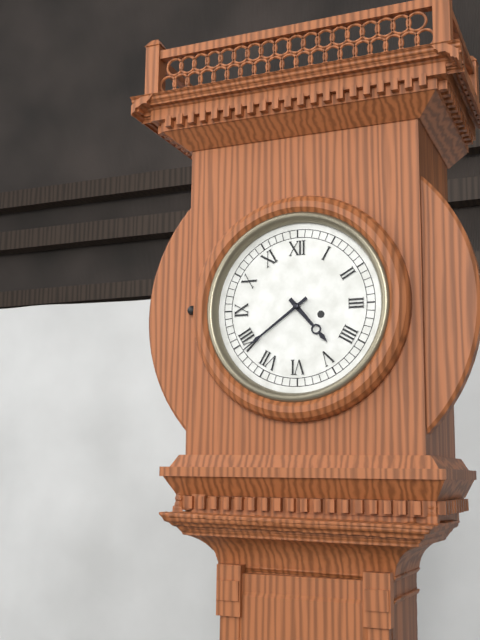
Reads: 4:39
